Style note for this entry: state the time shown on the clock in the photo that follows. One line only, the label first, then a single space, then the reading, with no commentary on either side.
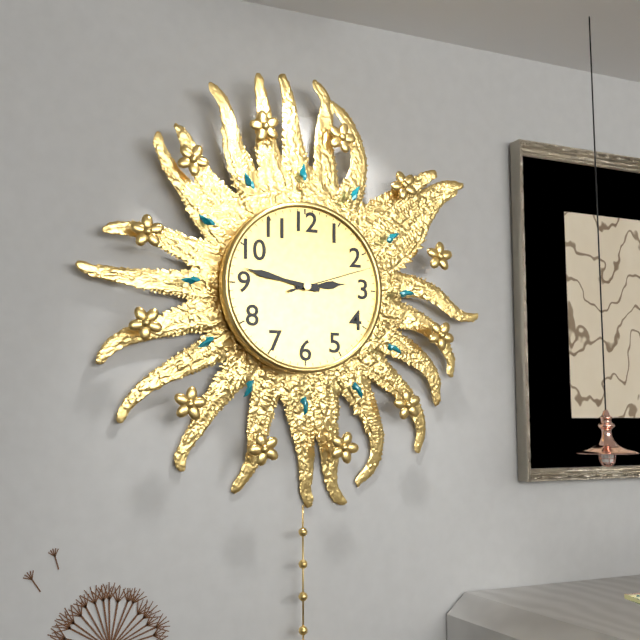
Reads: 2:47:12
